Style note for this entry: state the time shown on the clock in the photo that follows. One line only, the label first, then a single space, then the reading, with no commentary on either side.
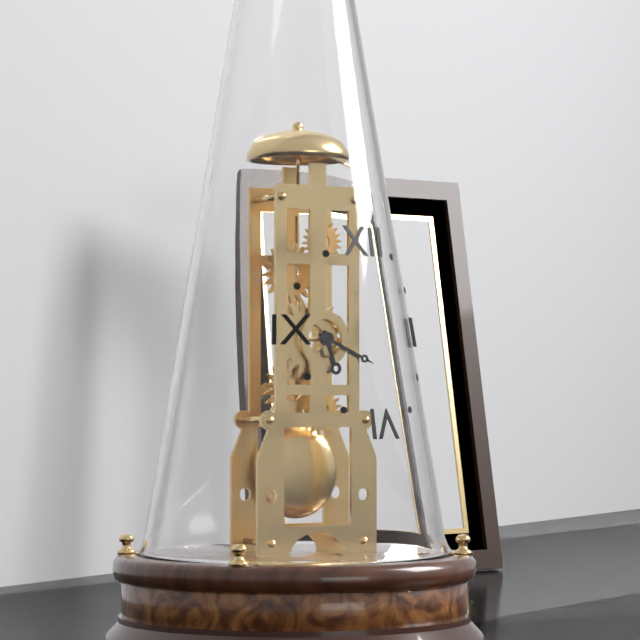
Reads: 5:19
